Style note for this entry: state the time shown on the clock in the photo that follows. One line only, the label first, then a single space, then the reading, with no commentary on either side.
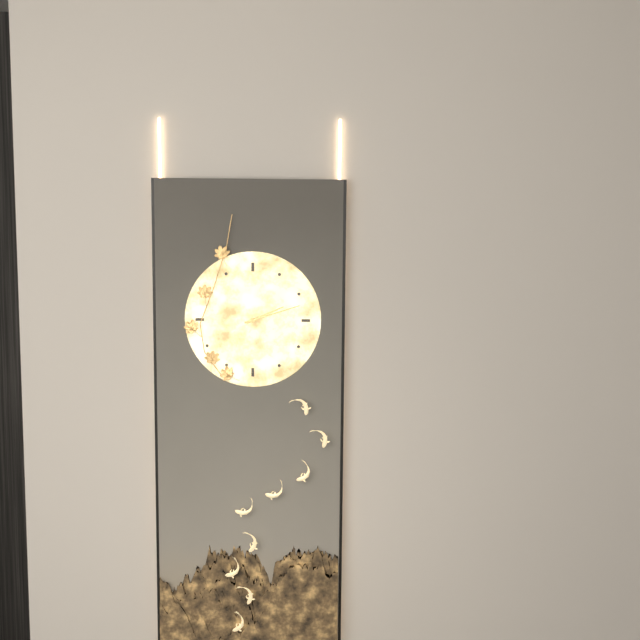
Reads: 2:12
